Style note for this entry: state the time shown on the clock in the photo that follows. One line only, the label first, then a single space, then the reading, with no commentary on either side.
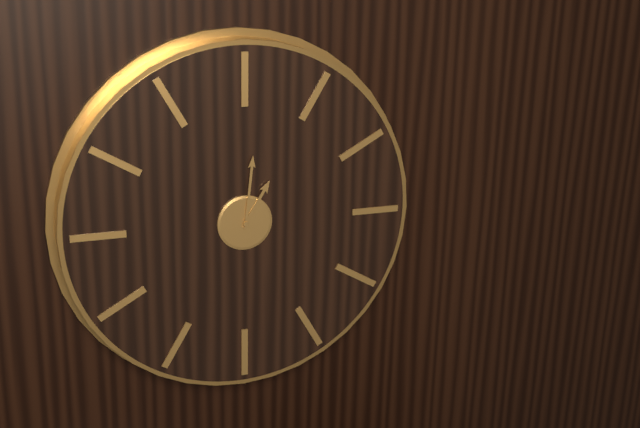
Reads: 1:01
